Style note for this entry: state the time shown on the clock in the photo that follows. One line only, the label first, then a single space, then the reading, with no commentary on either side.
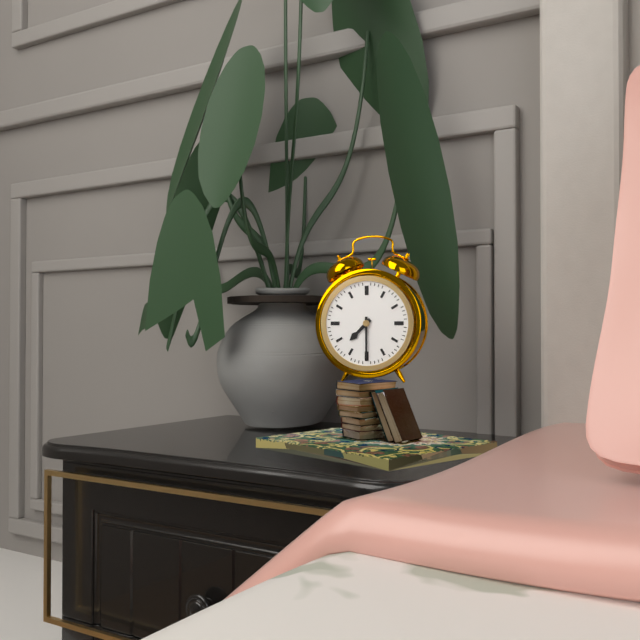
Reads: 7:30
